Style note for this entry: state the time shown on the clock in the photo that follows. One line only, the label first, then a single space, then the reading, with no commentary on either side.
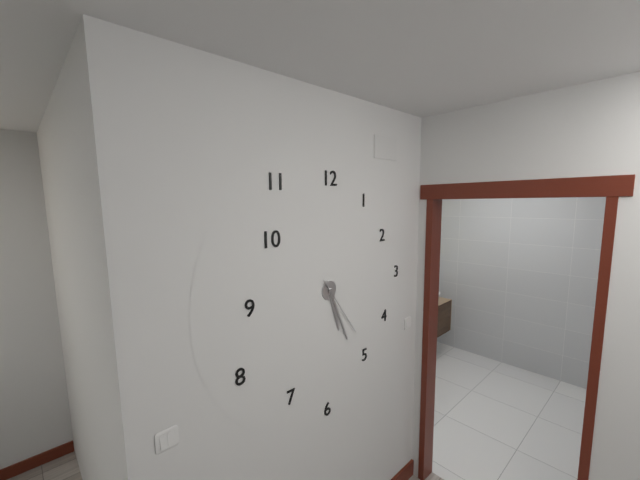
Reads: 5:26:24
